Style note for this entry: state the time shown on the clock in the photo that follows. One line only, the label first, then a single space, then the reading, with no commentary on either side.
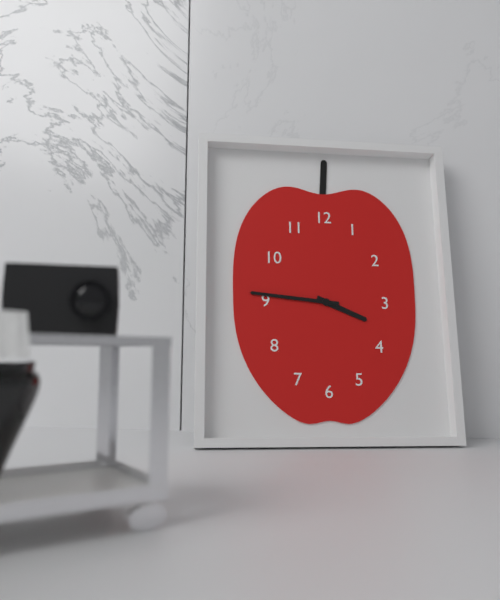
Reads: 3:46
